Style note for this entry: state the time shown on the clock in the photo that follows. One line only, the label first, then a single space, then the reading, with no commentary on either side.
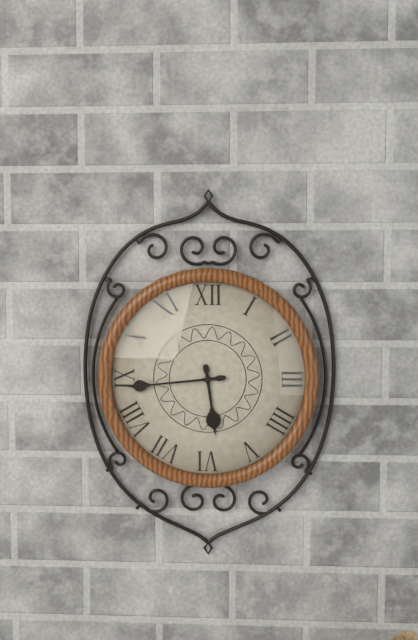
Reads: 5:44
